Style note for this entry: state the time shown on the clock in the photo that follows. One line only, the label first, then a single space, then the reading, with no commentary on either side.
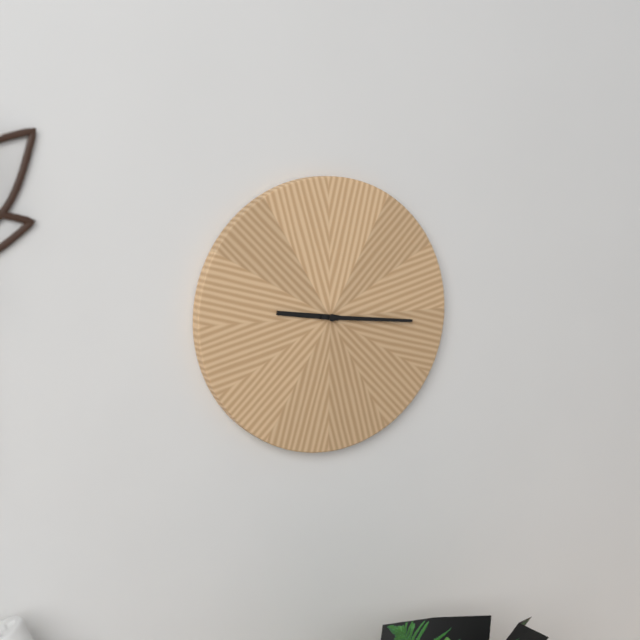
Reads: 9:16
